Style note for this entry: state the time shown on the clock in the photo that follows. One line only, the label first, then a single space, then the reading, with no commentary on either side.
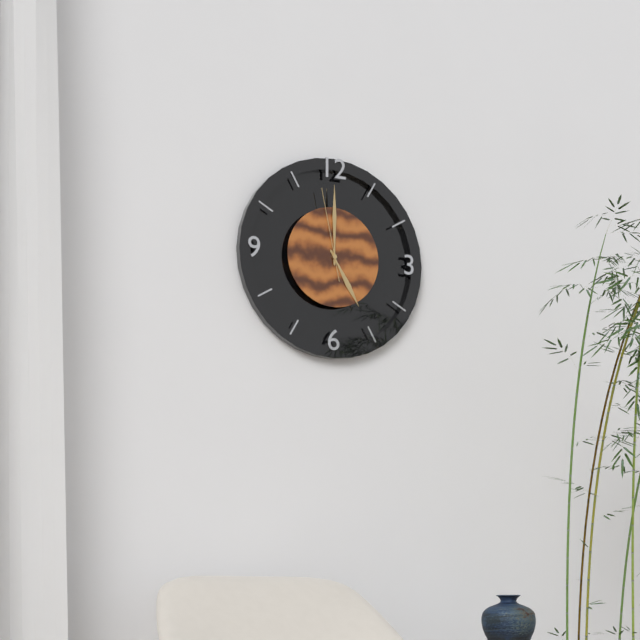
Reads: 5:00:58
